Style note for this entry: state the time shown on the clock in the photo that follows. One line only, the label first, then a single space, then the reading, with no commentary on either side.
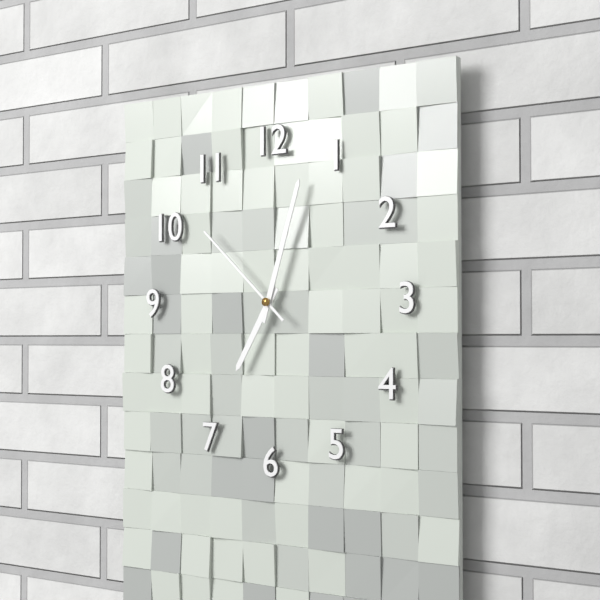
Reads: 7:03:52
